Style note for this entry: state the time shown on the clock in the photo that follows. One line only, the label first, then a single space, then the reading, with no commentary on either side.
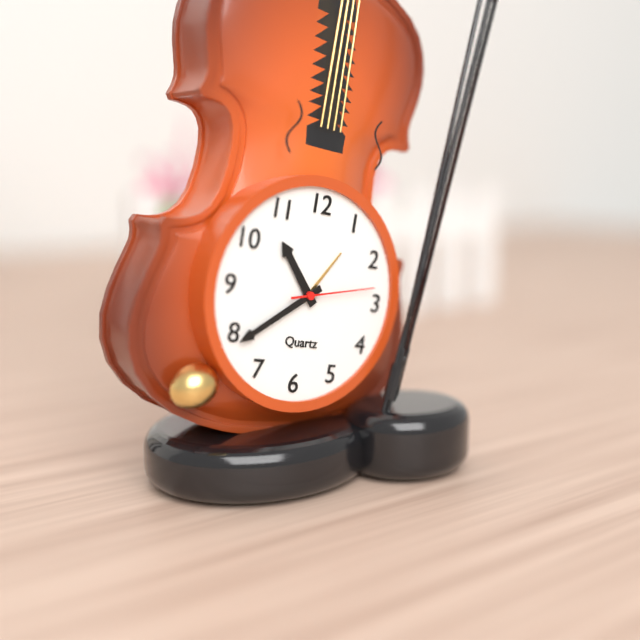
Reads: 10:39:13
